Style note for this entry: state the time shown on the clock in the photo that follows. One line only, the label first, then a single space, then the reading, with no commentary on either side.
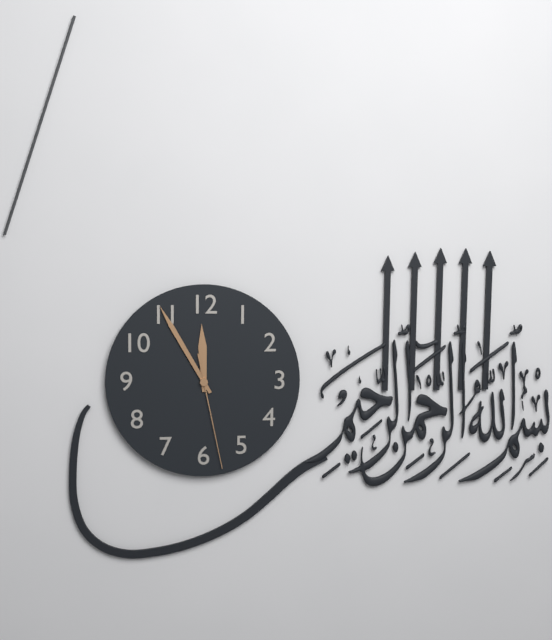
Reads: 11:55:28
